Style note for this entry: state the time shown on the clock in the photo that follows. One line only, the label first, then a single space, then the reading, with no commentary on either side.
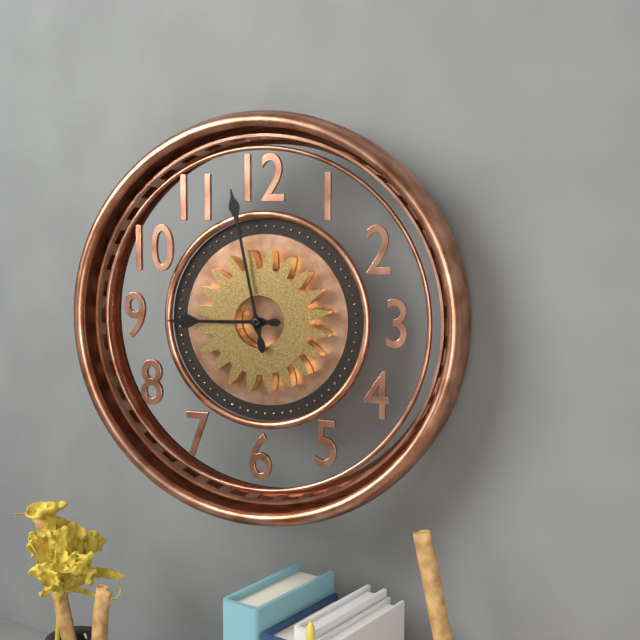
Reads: 8:58
